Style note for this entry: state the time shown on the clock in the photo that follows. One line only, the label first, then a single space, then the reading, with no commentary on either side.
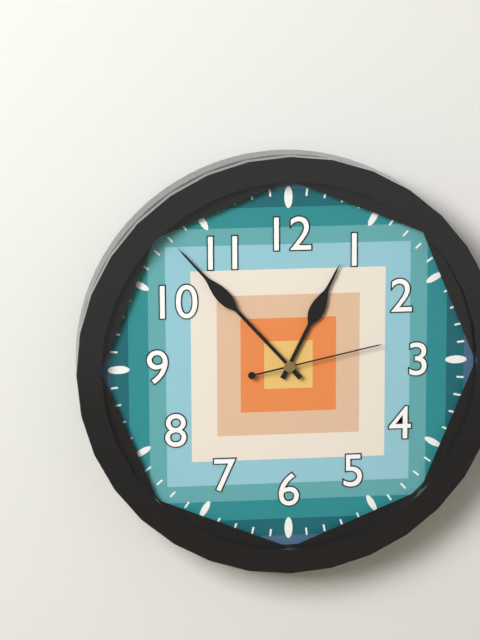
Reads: 12:53:13
